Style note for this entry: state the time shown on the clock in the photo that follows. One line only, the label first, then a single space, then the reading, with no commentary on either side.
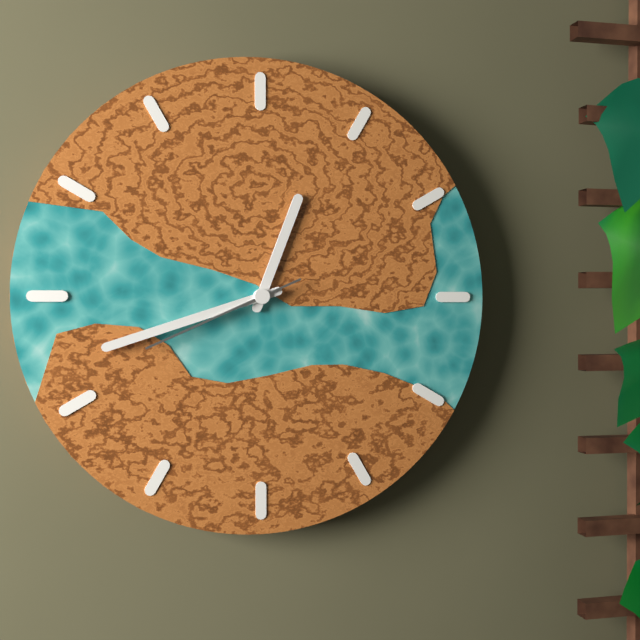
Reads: 12:42:41
